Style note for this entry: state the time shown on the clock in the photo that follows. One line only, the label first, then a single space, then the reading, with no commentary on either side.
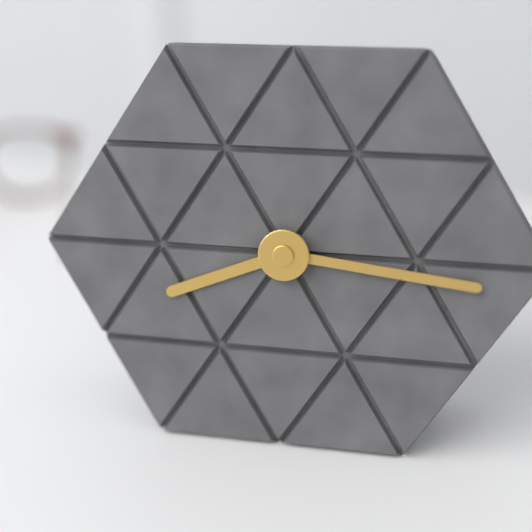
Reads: 8:16
